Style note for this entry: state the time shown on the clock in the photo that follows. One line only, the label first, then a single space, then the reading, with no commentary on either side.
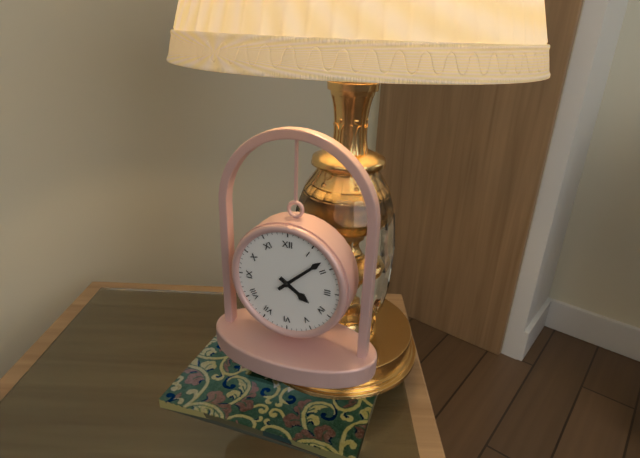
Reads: 4:08
